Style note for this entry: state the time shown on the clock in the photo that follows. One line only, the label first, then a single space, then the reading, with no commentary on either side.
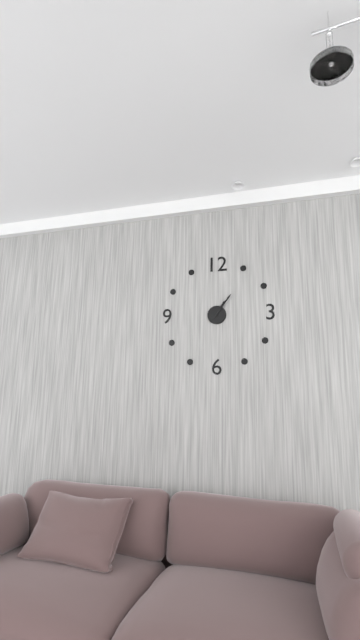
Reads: 1:06
